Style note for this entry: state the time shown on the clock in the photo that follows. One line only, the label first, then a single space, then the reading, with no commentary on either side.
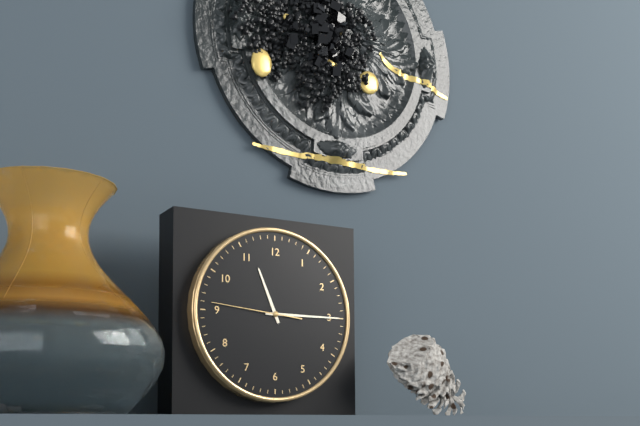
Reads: 11:15:46
